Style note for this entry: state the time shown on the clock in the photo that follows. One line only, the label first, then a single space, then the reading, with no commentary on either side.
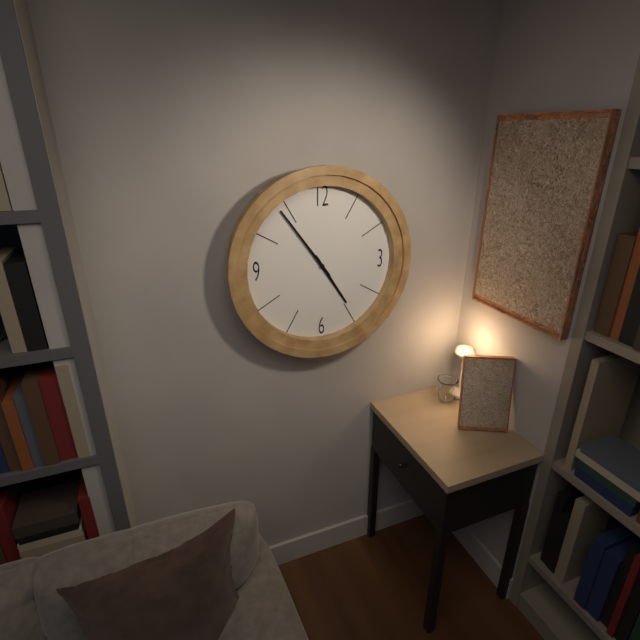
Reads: 4:54
